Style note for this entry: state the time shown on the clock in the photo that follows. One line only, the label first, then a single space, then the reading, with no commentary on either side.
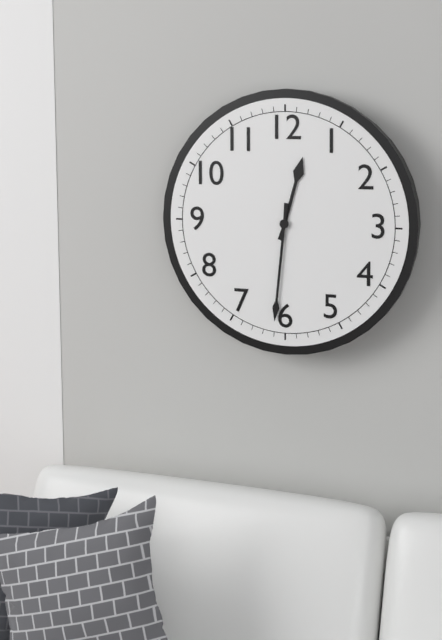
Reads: 12:31
